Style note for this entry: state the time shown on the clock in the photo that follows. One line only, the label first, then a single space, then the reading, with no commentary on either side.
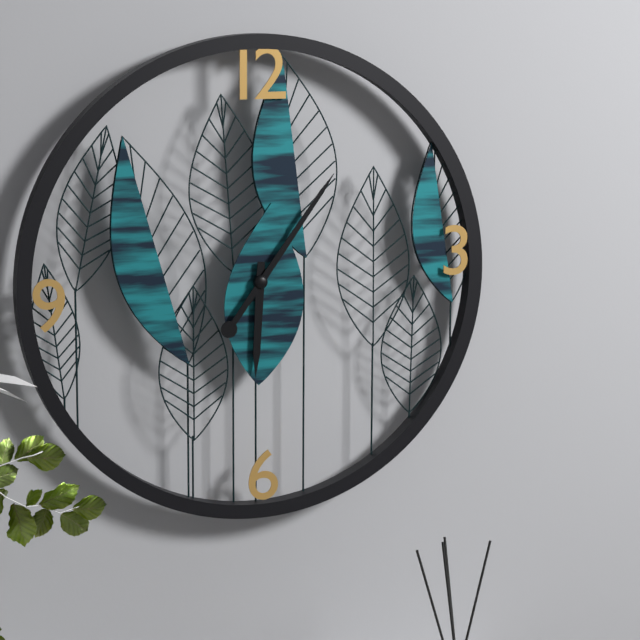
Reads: 6:06
